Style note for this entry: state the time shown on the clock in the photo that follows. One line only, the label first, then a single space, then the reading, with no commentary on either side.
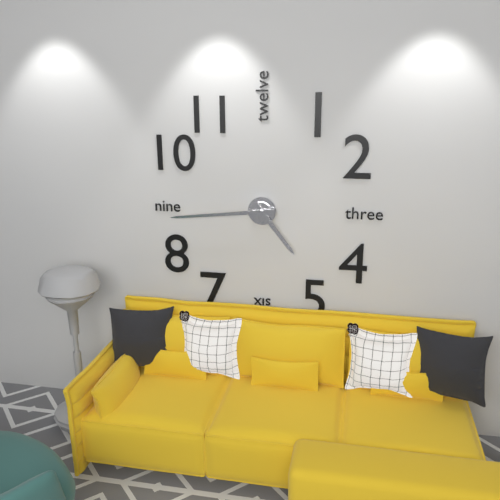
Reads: 4:44
